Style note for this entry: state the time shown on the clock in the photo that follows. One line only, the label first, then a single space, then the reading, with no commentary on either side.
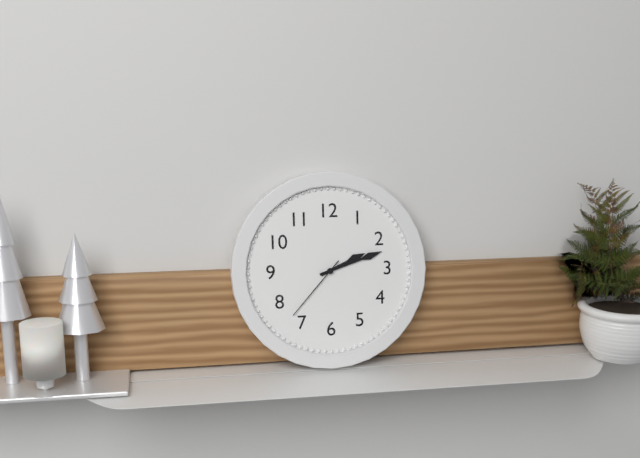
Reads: 2:12:37
